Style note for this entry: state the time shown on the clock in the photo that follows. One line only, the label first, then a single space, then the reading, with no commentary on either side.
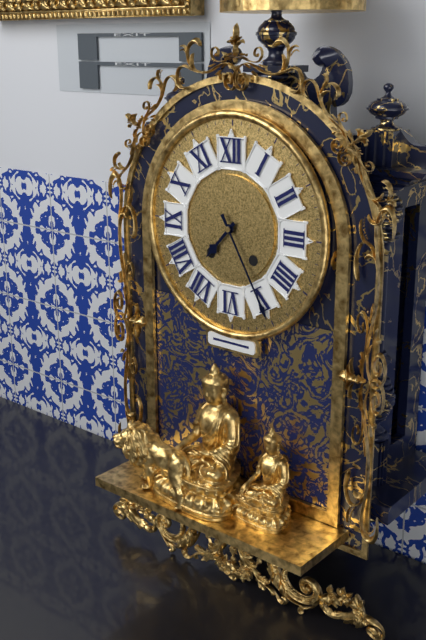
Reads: 7:25
